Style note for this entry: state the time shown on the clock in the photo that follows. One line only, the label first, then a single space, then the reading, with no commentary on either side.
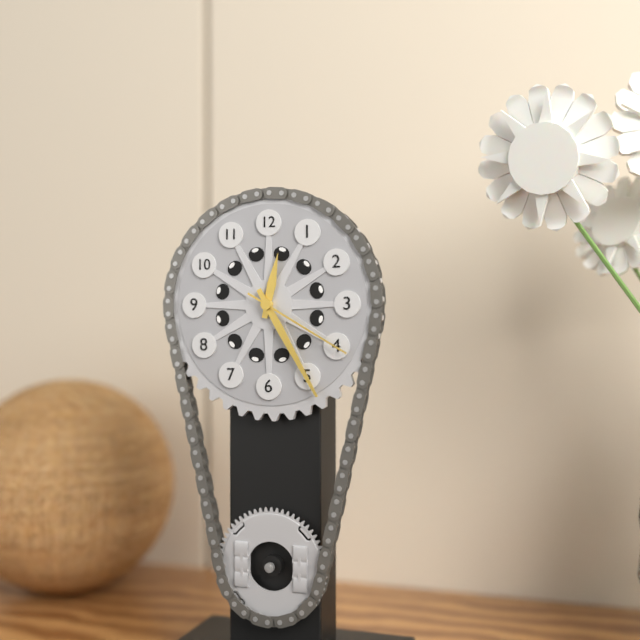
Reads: 12:25:20
